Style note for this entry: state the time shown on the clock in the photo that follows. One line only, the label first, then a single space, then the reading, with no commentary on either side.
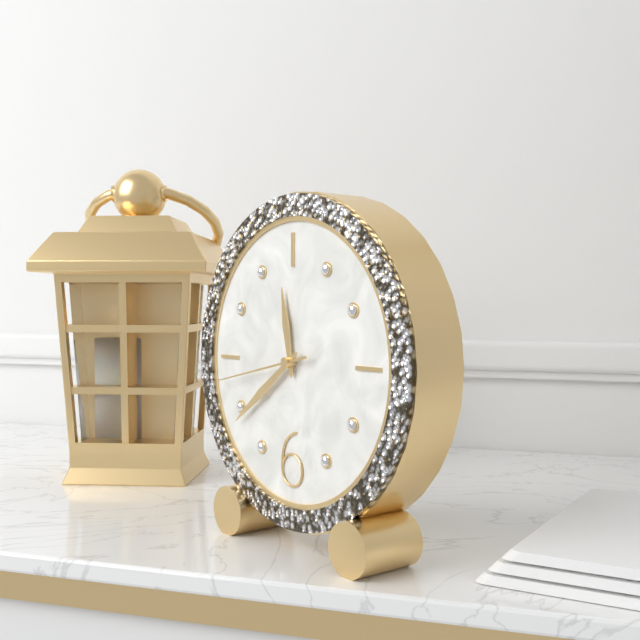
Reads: 11:39:43
